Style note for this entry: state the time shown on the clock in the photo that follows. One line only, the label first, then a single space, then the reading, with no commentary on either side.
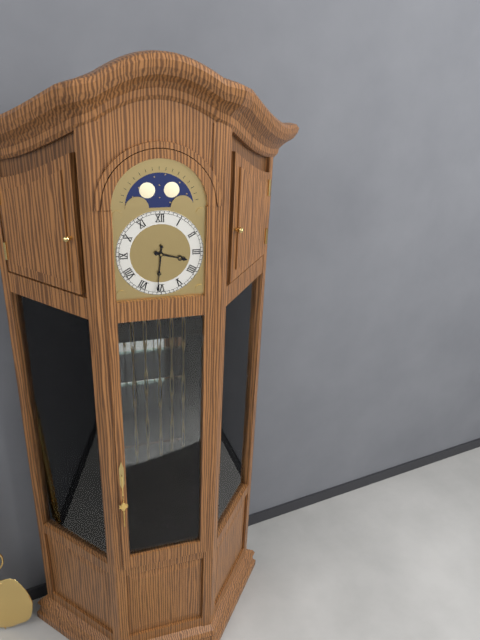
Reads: 3:31
